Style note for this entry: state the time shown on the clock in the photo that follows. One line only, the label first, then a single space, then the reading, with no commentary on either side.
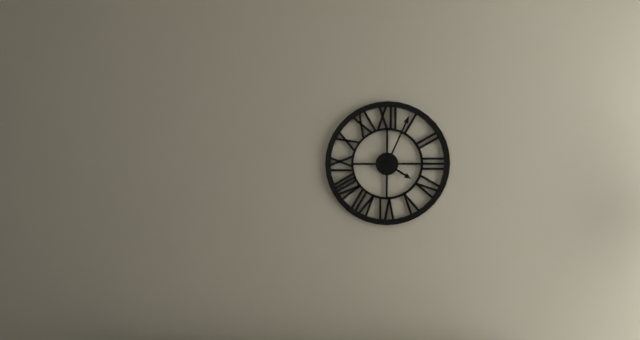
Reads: 4:04
